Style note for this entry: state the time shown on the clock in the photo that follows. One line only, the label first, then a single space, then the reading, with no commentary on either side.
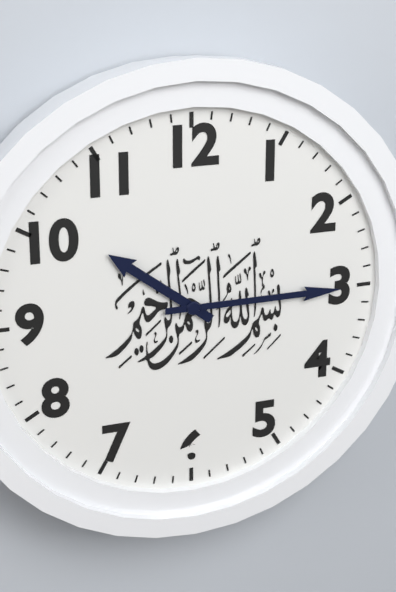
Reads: 10:15
